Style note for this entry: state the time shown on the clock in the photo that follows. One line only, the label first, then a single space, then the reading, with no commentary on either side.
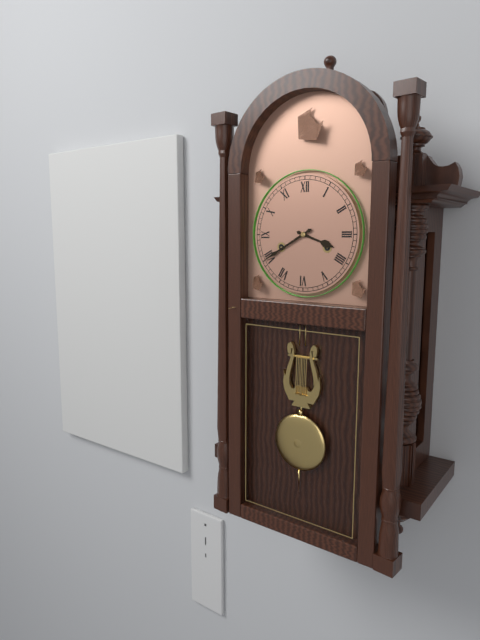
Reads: 3:40
